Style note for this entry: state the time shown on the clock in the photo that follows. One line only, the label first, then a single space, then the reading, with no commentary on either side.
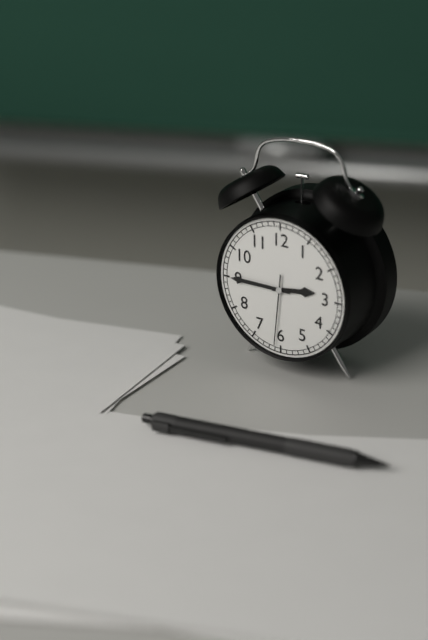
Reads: 2:45:31
